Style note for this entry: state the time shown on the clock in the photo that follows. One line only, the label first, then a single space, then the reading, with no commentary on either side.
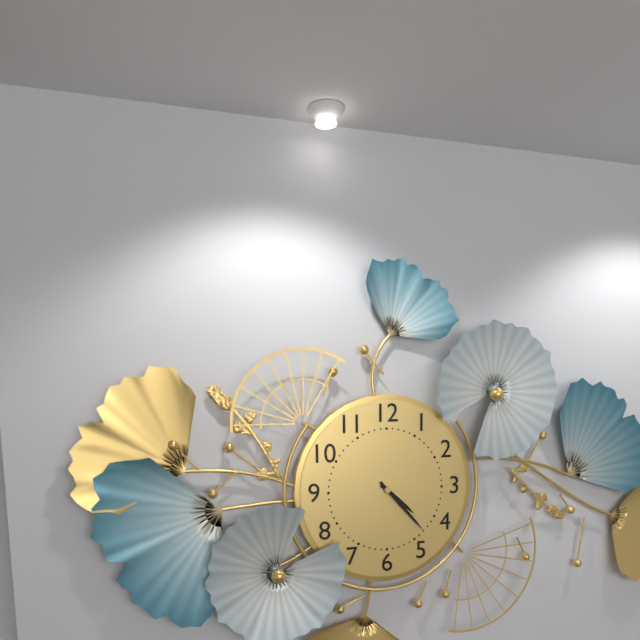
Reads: 4:23
